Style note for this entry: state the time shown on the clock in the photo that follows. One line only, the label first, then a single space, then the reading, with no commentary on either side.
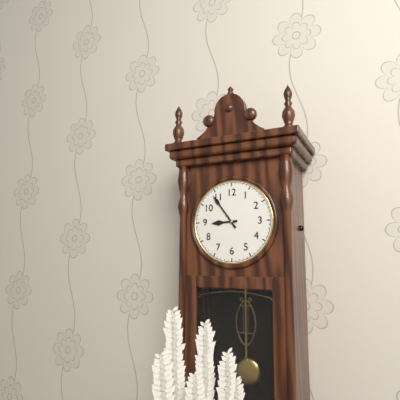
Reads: 8:54
